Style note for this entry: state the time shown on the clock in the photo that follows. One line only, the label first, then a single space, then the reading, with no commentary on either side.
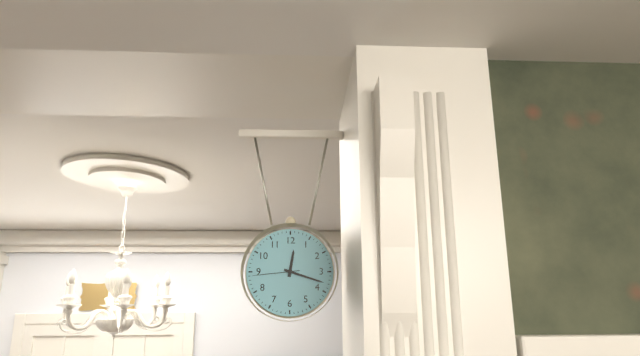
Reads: 12:18
